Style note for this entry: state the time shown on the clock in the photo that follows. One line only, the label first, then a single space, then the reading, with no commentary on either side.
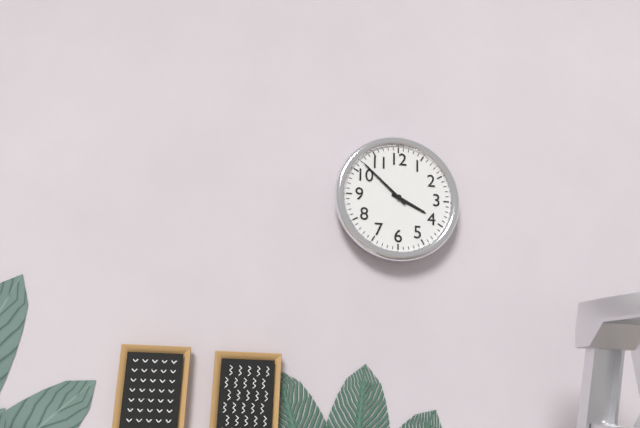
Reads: 3:52
